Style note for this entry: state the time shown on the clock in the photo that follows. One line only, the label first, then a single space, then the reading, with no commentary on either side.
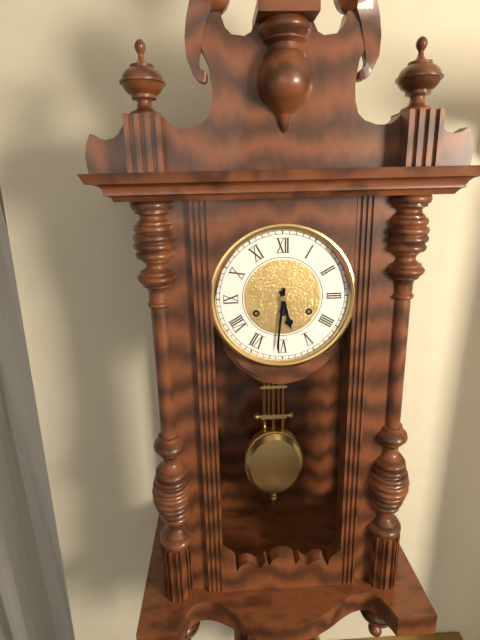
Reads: 5:31
